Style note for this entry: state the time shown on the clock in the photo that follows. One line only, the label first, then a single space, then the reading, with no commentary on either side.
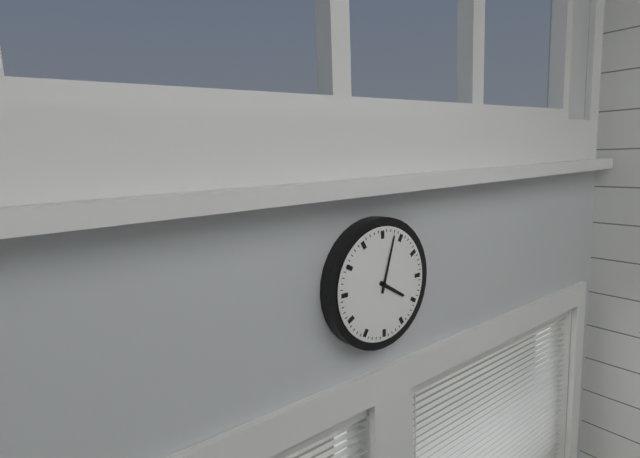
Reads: 4:03
